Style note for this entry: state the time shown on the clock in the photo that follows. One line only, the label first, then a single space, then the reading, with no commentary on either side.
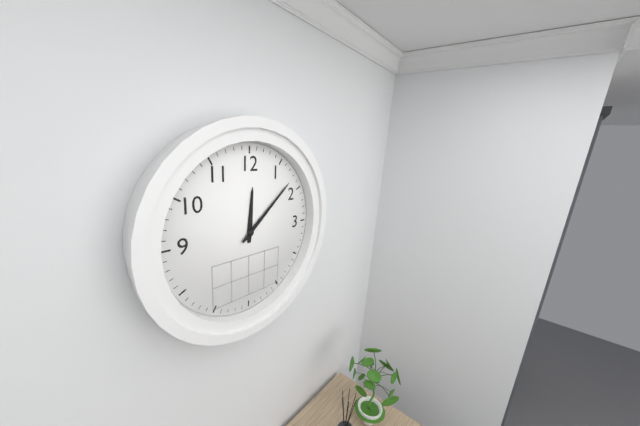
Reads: 12:08
